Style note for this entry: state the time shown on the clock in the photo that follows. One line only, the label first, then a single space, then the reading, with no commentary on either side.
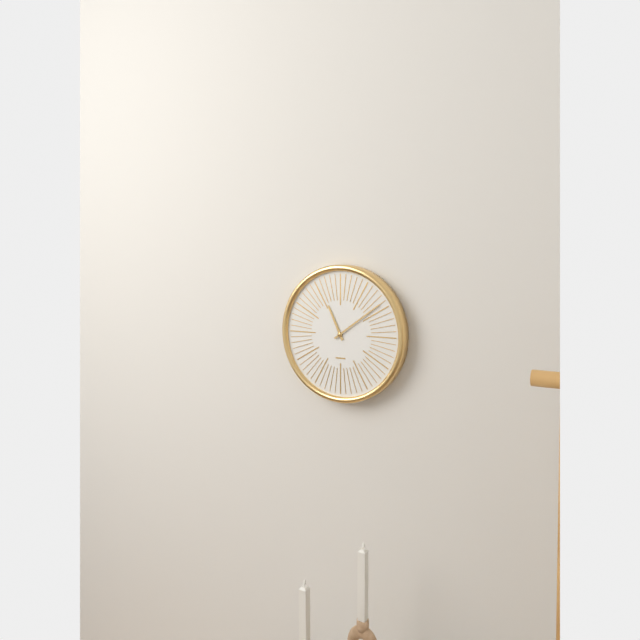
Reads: 11:09
